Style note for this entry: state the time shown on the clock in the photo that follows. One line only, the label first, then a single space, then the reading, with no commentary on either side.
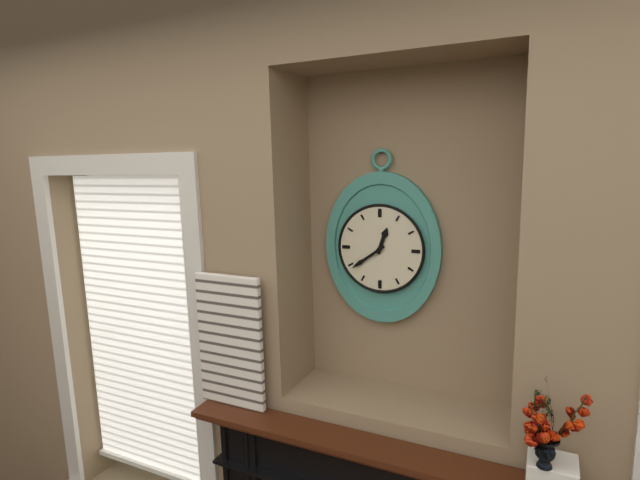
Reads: 12:39
